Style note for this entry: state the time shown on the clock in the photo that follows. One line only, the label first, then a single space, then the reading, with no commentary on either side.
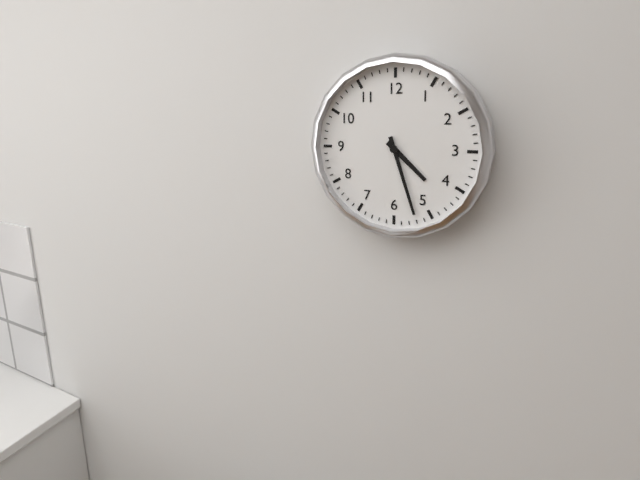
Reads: 4:27
